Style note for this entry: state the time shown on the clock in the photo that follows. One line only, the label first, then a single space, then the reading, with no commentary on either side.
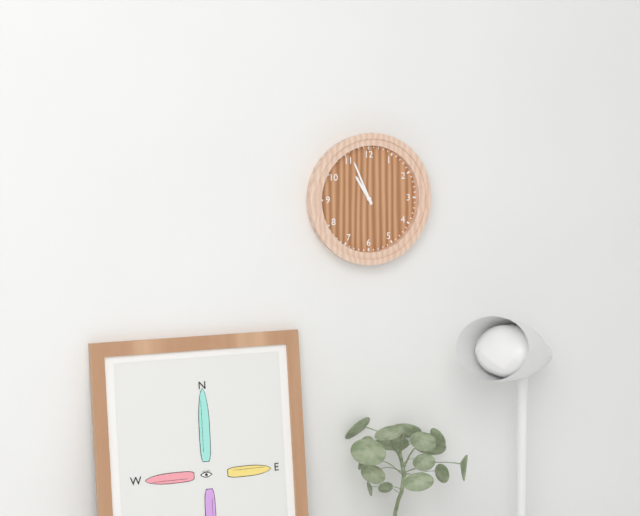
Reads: 10:56
